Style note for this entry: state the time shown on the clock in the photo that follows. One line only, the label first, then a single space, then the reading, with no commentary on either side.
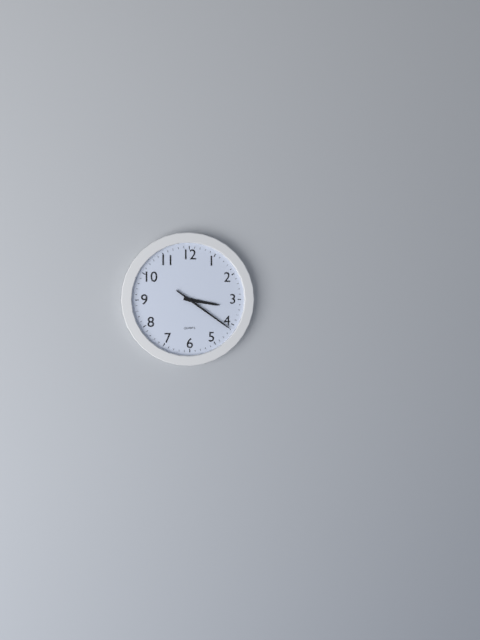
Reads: 3:21
